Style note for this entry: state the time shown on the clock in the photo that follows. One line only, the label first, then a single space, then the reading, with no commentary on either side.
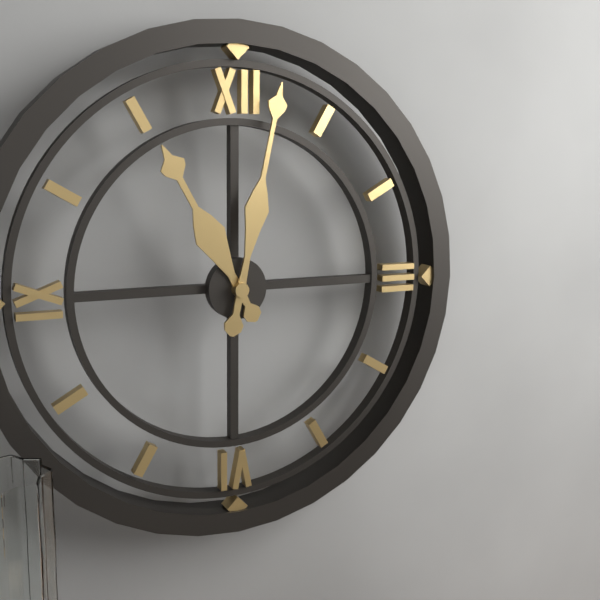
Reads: 11:02
